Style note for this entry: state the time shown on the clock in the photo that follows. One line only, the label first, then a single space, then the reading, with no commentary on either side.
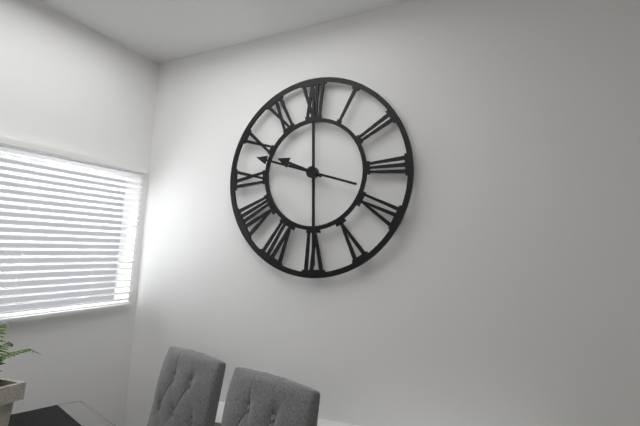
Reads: 9:48
